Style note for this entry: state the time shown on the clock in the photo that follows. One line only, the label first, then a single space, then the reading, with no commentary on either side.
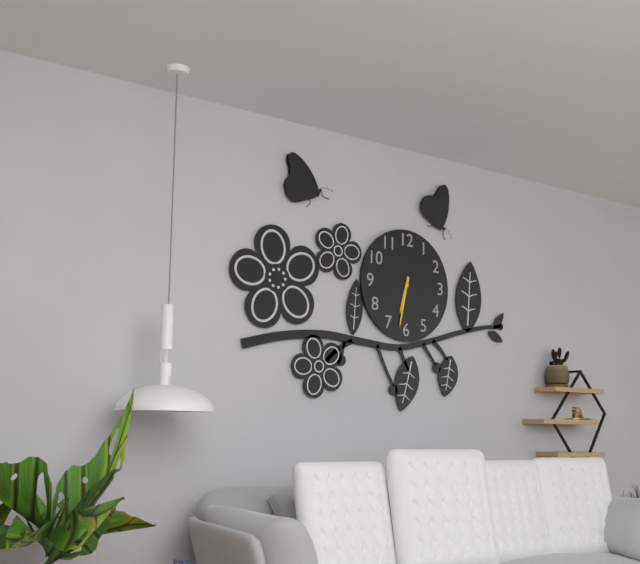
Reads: 6:32
